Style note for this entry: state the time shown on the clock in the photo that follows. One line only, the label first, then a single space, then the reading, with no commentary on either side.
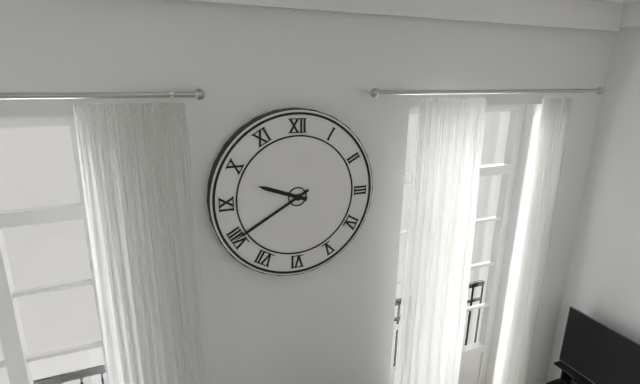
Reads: 9:40
